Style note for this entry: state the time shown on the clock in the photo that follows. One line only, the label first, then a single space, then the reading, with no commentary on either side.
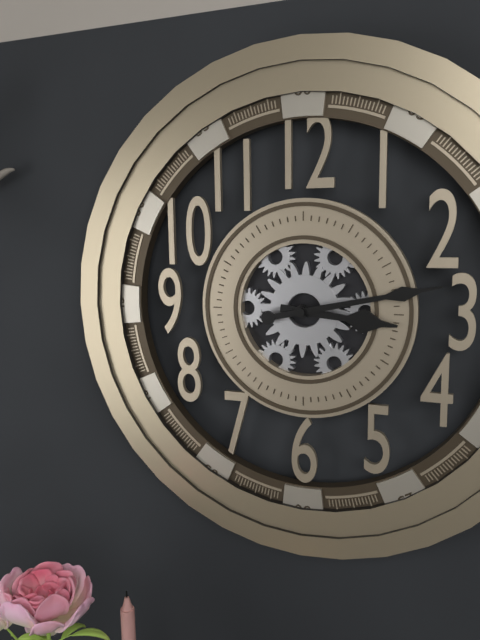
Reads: 3:13
